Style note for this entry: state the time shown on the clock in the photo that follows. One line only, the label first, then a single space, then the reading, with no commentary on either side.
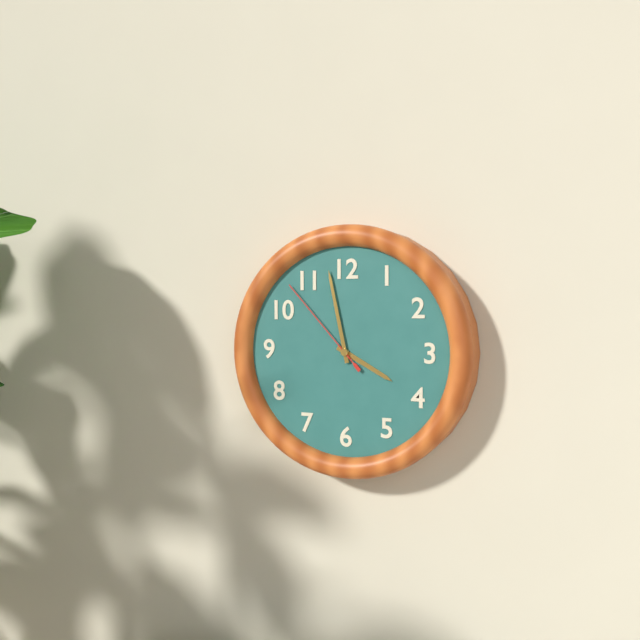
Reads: 3:58:53
